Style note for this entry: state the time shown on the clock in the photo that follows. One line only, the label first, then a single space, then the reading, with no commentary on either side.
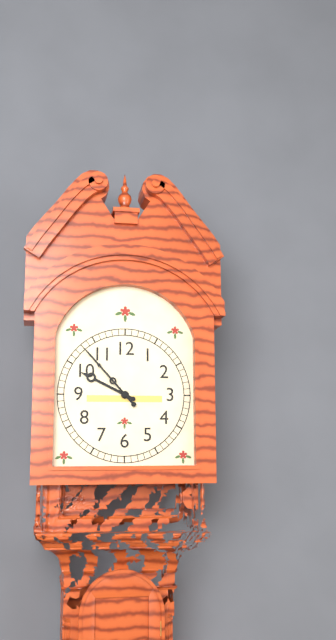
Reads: 9:53
